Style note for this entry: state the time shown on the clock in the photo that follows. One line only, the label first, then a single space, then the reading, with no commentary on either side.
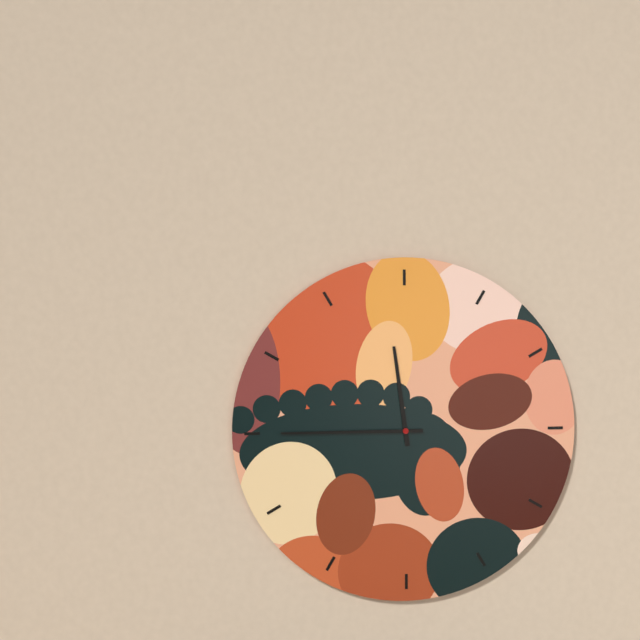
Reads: 11:45
